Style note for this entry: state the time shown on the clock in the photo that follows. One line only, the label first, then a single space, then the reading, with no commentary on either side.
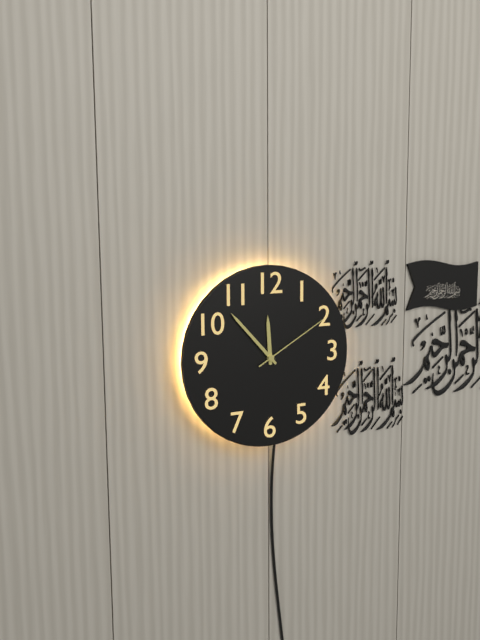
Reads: 11:53:10
